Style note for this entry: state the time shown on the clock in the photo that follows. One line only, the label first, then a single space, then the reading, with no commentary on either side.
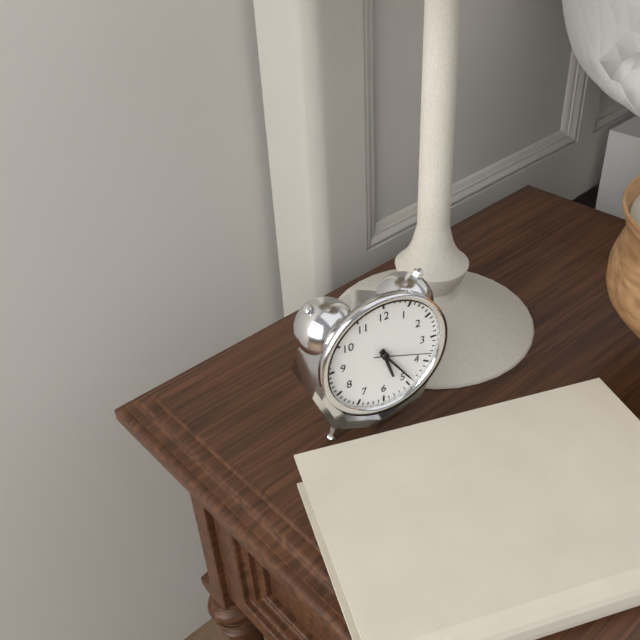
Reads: 5:24:18
